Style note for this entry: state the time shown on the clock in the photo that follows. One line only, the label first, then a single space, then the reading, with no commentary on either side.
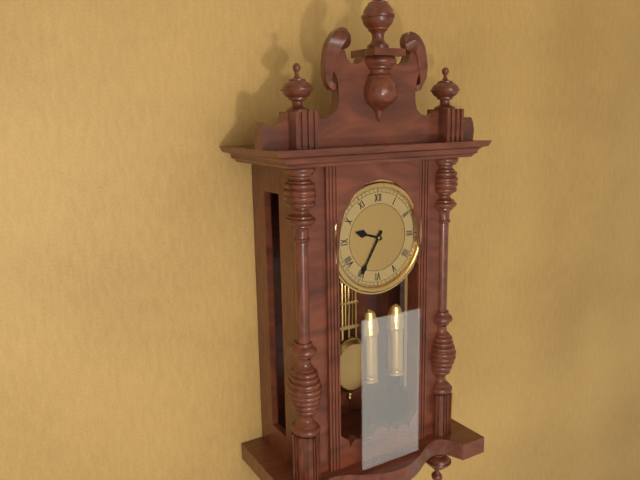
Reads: 9:35
